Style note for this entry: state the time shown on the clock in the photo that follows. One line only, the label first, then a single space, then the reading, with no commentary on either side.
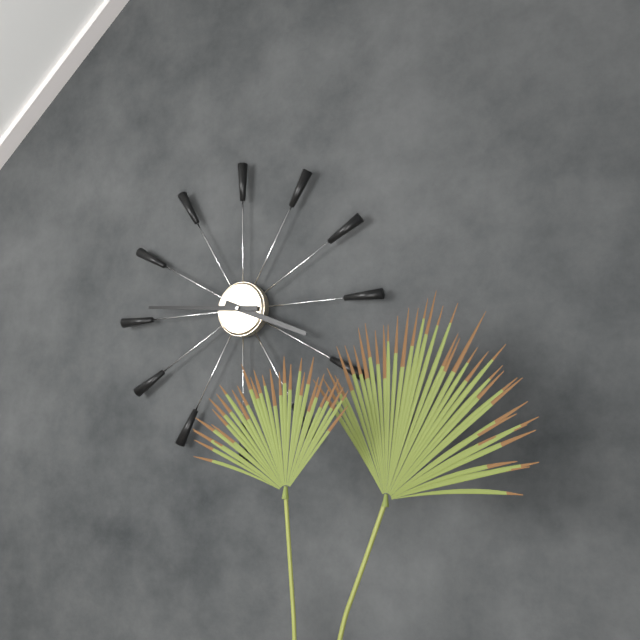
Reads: 3:46
